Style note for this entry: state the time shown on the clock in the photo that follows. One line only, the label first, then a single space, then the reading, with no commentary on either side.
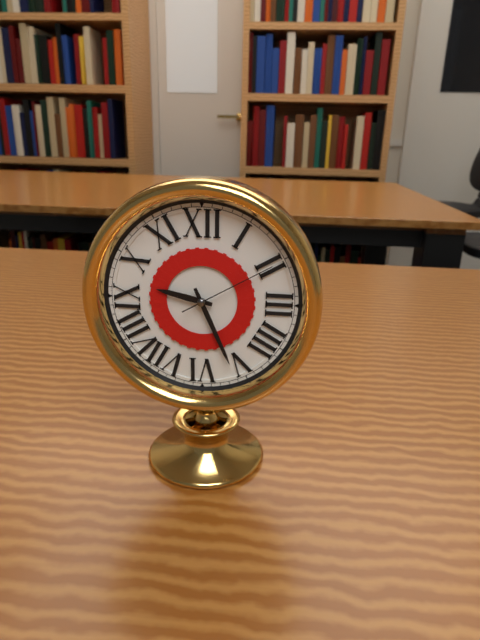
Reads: 9:26:10
